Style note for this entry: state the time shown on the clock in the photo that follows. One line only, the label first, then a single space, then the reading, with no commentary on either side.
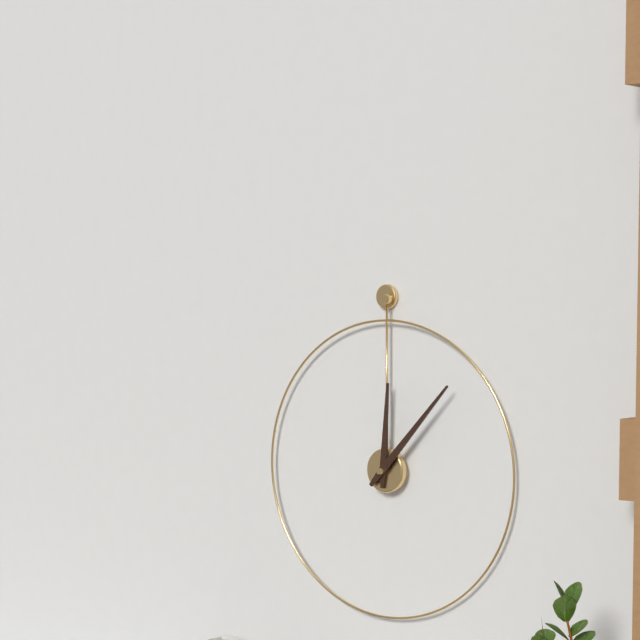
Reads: 12:07
